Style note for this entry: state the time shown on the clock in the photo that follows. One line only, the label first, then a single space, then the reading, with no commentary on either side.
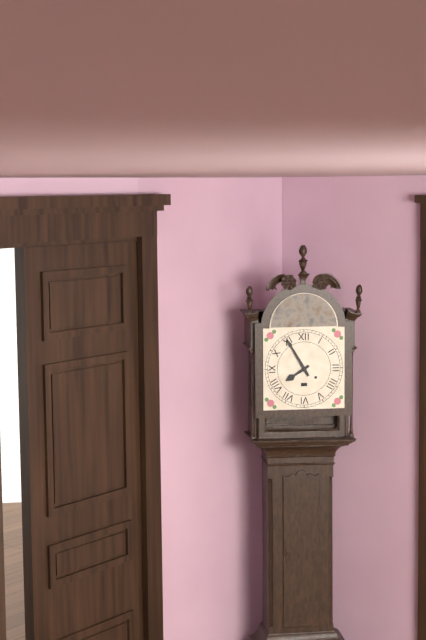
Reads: 7:55
